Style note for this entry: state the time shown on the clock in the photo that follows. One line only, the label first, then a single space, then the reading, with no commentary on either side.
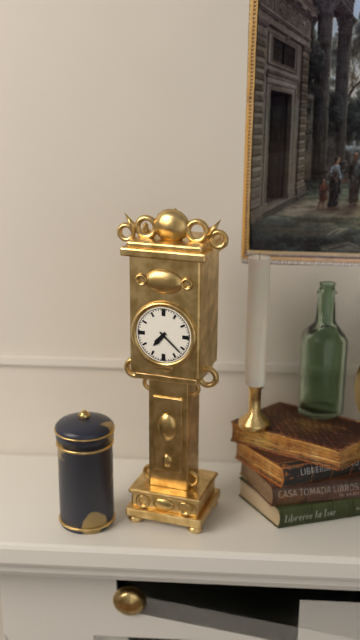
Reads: 7:22
